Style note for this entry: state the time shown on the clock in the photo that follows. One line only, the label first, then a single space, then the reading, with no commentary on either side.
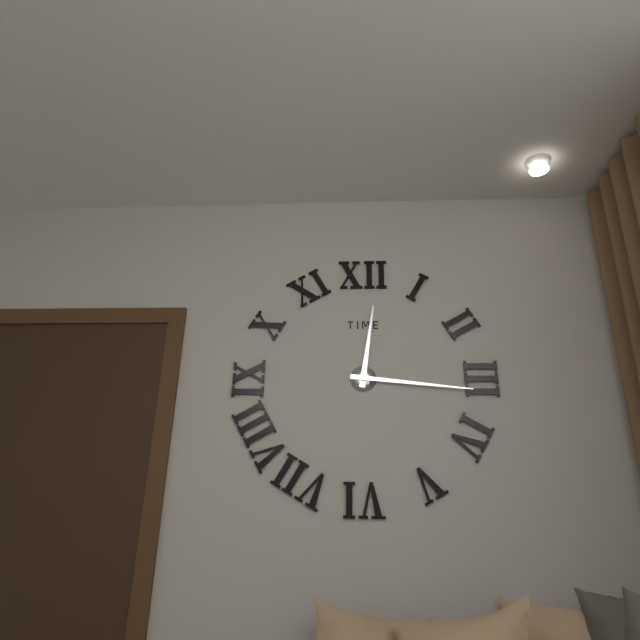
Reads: 12:16
